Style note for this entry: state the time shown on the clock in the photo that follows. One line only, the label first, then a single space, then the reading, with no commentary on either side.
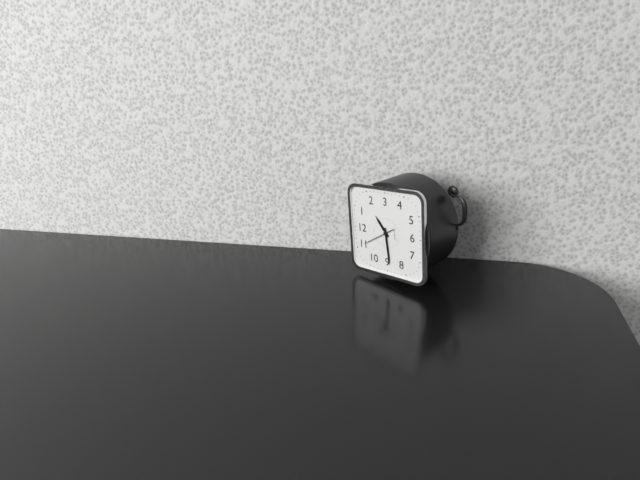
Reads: 1:44
